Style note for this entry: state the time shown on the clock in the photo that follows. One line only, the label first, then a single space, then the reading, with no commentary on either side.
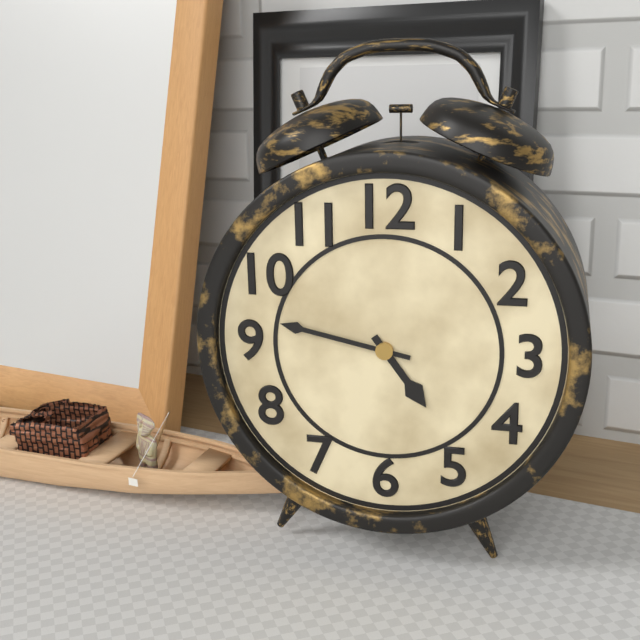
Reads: 4:47
